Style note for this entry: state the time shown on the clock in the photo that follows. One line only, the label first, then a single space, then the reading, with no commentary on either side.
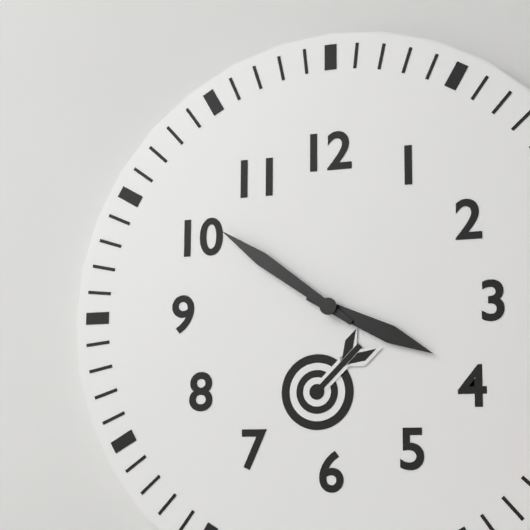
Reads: 3:51
